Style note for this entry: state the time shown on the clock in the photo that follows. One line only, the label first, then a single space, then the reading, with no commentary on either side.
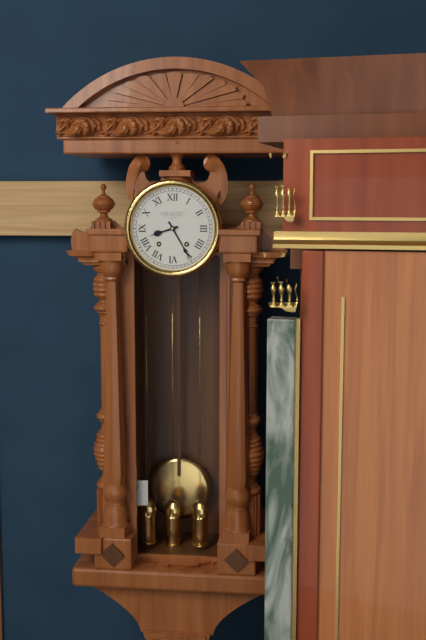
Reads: 8:25
